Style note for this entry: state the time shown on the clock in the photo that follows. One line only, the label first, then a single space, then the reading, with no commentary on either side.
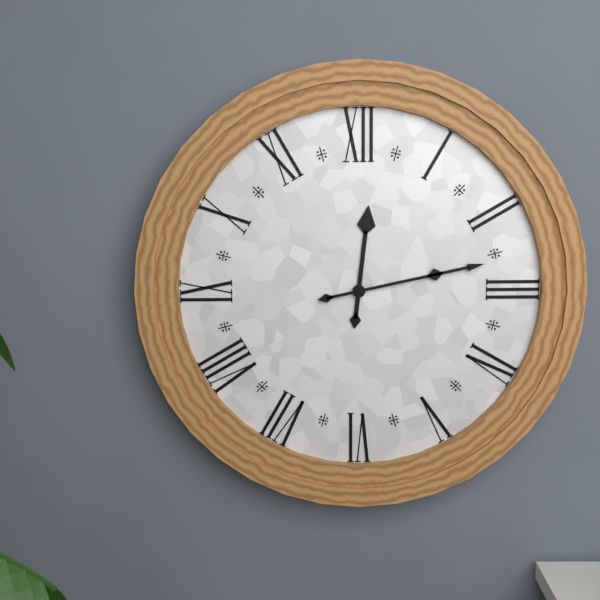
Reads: 12:13
